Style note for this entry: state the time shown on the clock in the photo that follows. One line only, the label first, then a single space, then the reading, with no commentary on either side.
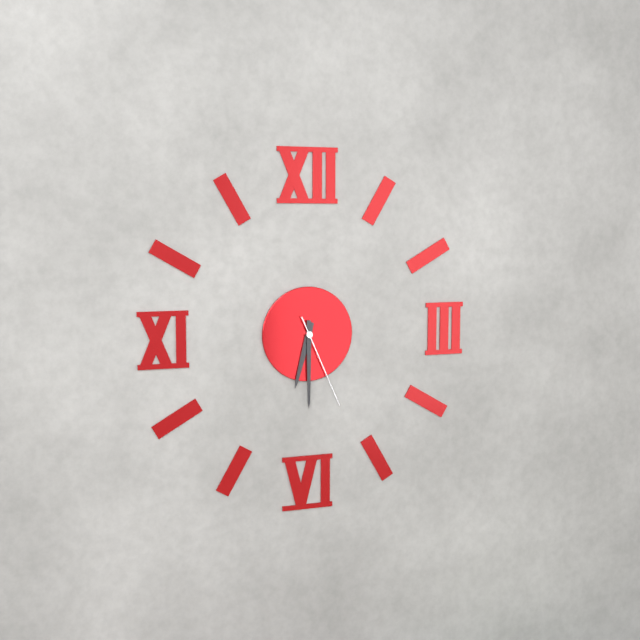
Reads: 6:30:26
